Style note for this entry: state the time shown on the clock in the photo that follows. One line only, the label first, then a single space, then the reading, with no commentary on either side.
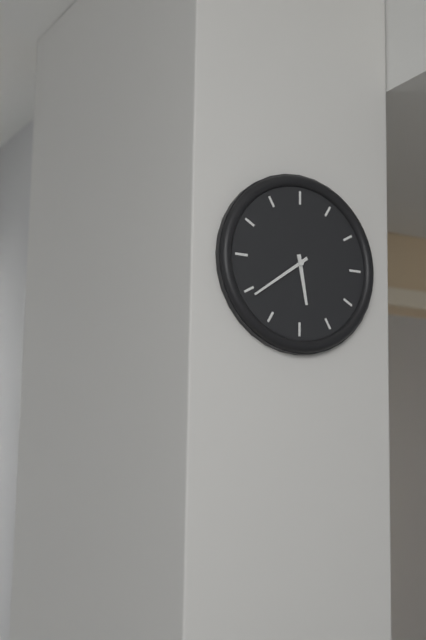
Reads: 5:39
